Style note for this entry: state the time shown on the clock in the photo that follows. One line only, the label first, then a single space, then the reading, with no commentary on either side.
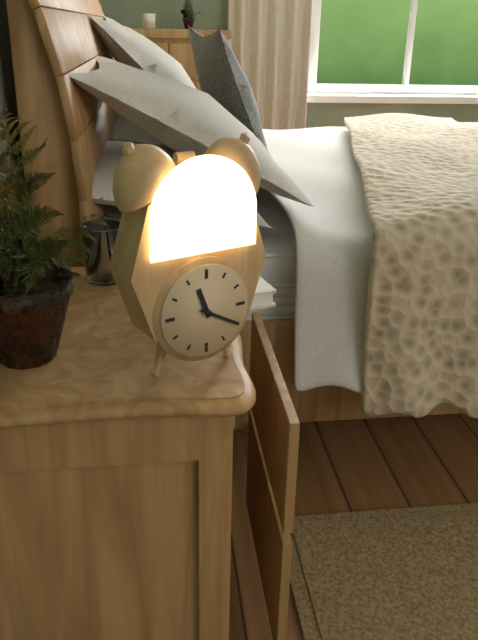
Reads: 11:20
